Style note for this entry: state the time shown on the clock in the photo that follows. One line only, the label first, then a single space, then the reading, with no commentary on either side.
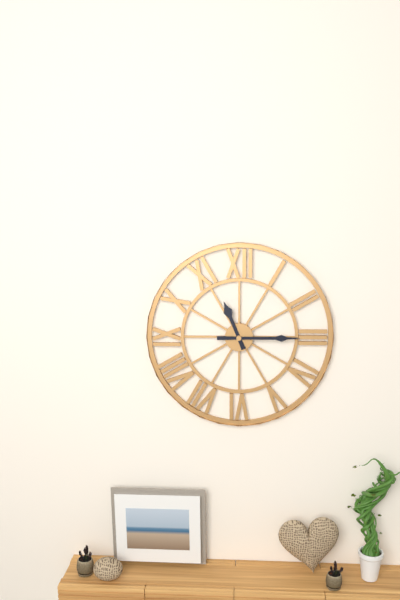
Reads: 11:15
